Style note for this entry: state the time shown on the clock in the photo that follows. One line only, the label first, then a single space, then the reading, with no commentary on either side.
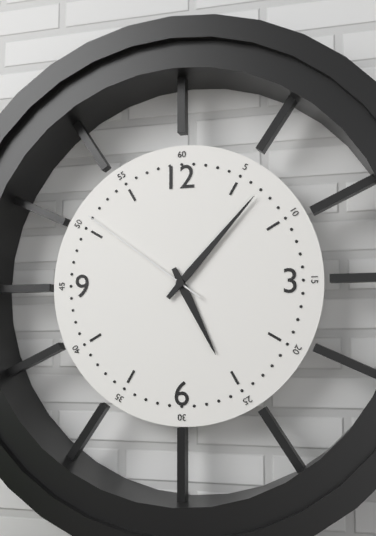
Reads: 5:07:51
